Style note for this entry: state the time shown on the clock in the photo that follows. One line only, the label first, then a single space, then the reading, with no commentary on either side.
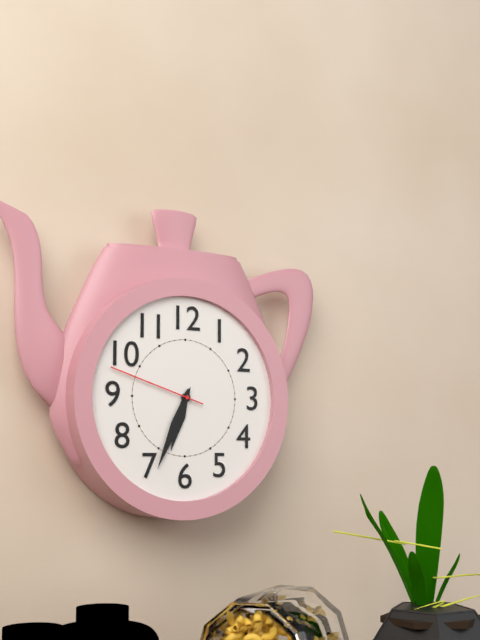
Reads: 6:34:48
